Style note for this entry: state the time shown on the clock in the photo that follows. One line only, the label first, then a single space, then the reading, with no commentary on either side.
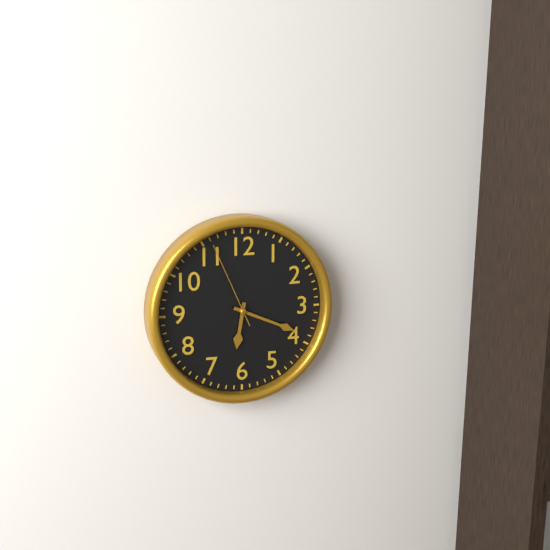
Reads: 6:19:56
